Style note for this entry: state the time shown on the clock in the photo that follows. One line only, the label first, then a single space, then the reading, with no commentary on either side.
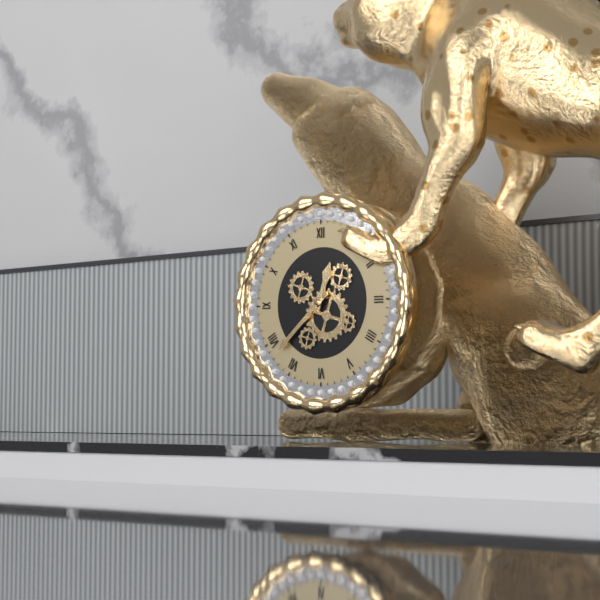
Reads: 12:38
